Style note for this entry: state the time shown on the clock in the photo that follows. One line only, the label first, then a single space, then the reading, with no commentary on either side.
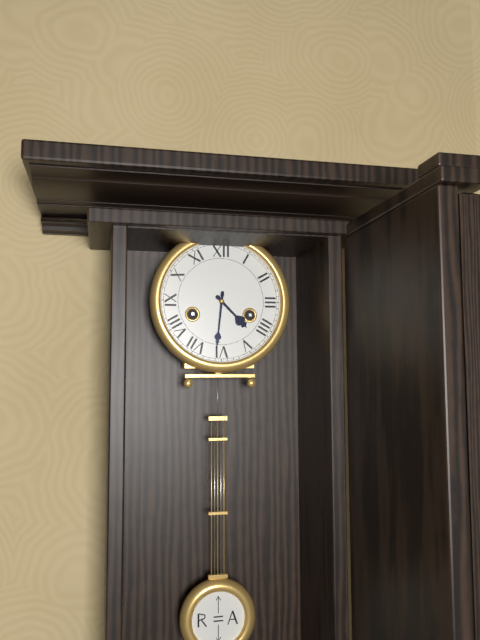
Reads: 4:31
